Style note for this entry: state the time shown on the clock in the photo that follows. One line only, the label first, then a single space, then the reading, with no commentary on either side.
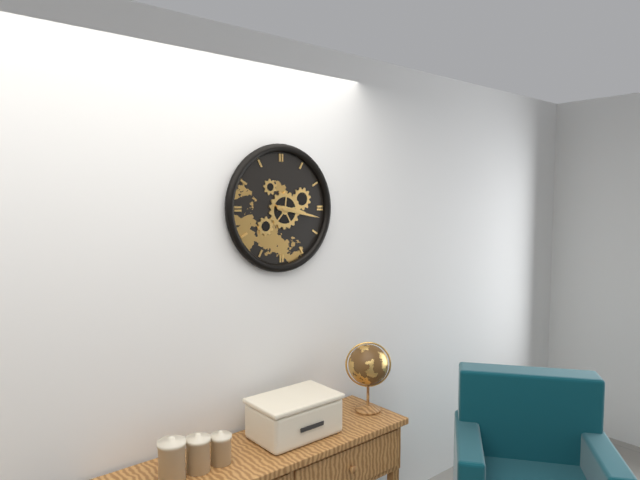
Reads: 3:17
